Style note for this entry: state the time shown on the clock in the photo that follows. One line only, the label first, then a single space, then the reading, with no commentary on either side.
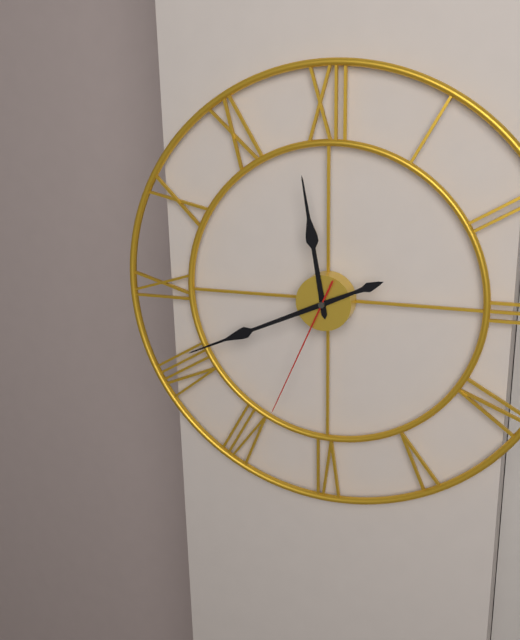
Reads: 11:41:34
